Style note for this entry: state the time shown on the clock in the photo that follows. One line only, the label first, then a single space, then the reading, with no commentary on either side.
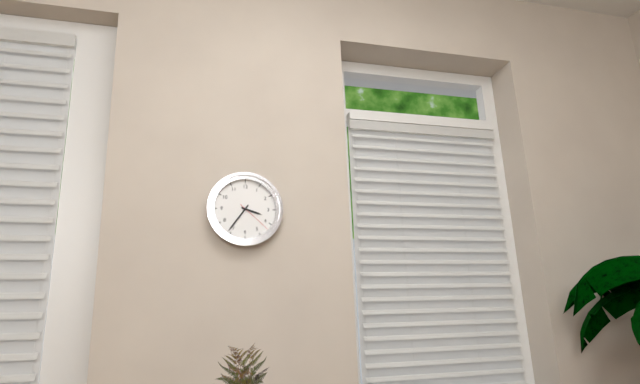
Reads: 3:36
